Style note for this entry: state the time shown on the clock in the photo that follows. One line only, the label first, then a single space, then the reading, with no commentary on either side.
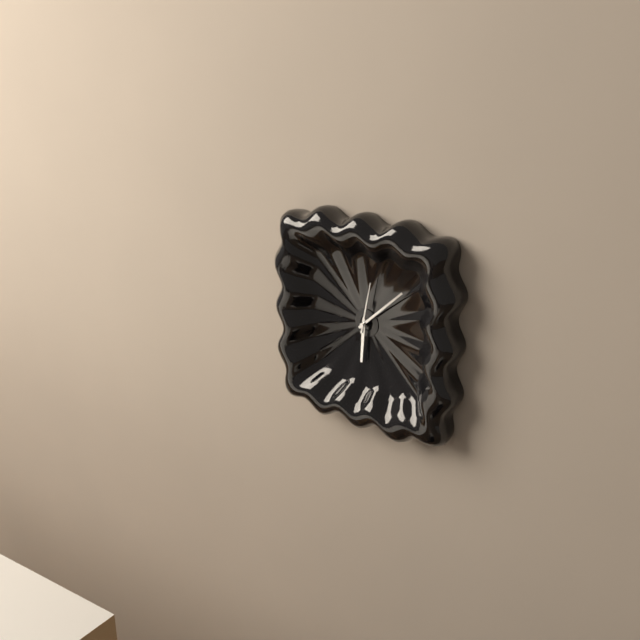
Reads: 6:08:02
